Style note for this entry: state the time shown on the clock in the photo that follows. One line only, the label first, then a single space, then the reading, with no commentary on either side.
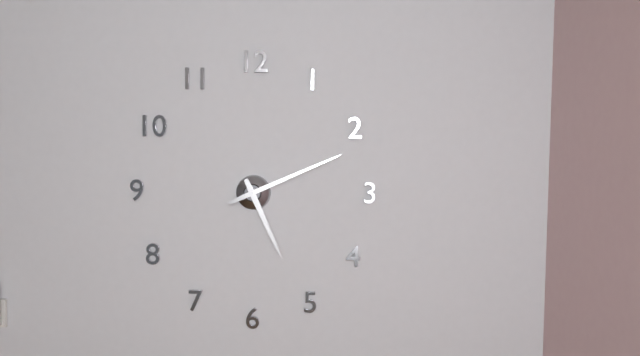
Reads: 5:11
